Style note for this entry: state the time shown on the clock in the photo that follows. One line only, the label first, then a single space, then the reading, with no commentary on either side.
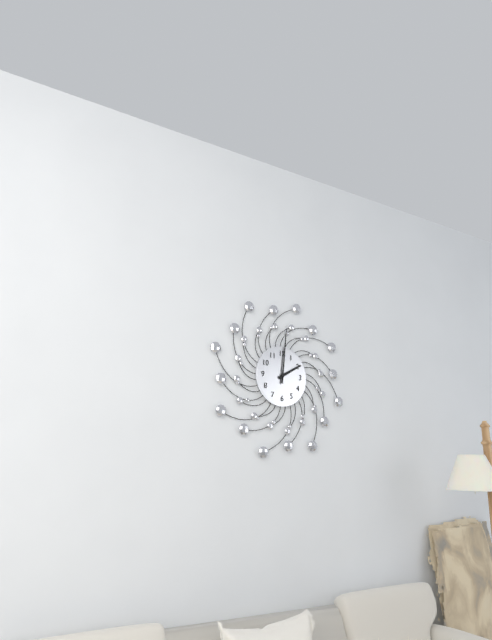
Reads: 2:01
